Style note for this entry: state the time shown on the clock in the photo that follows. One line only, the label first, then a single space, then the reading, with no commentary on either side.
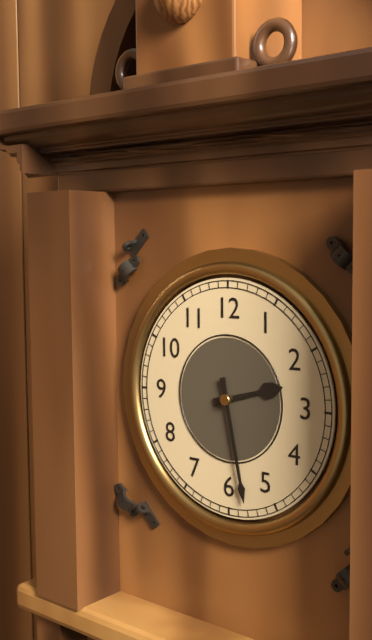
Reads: 2:28
